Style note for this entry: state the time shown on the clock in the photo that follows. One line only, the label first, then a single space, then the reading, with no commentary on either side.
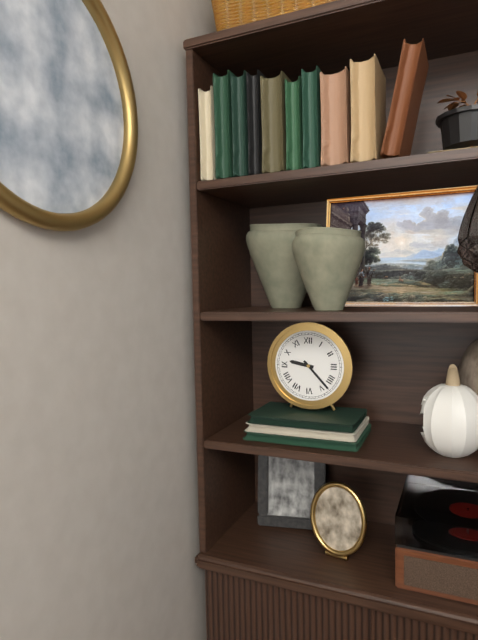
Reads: 9:23
